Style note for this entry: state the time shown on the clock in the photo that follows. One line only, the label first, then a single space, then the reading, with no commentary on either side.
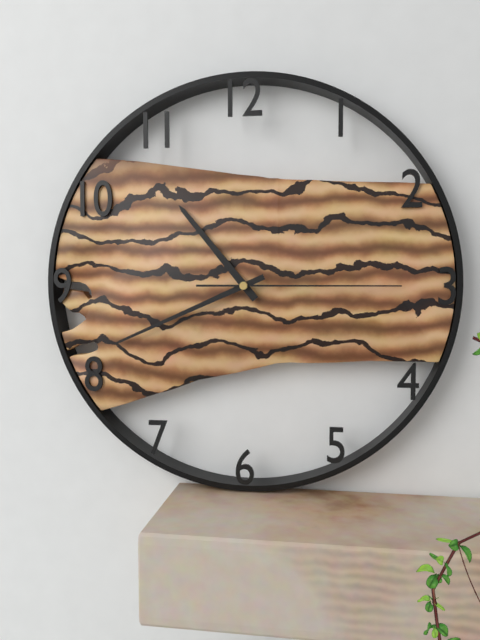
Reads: 10:41:15
